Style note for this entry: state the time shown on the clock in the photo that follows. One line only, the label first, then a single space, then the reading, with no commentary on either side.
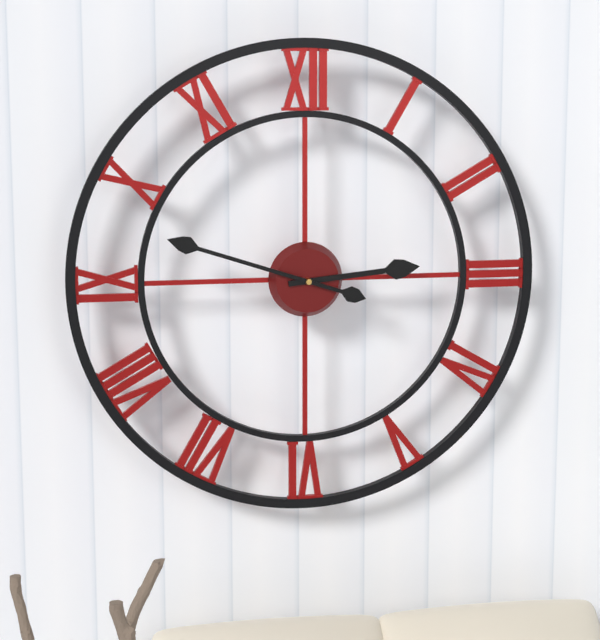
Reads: 2:48
